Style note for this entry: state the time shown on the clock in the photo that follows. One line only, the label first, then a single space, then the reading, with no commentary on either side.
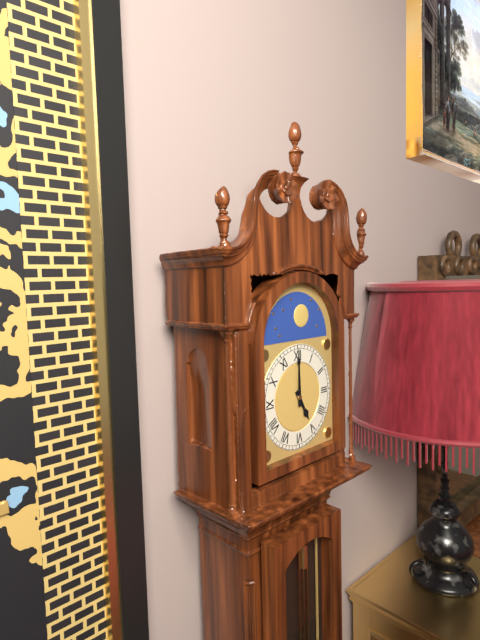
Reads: 5:00
